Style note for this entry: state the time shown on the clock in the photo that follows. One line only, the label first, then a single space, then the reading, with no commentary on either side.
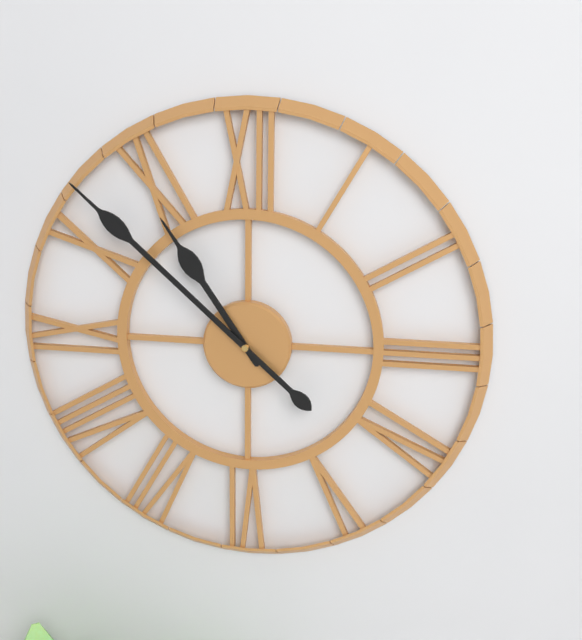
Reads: 10:52
